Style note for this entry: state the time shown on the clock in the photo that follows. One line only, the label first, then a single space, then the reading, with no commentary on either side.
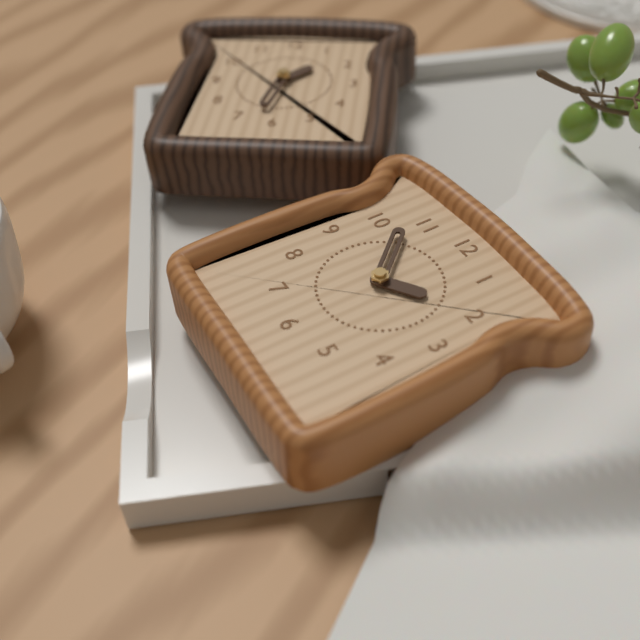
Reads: 1:53
